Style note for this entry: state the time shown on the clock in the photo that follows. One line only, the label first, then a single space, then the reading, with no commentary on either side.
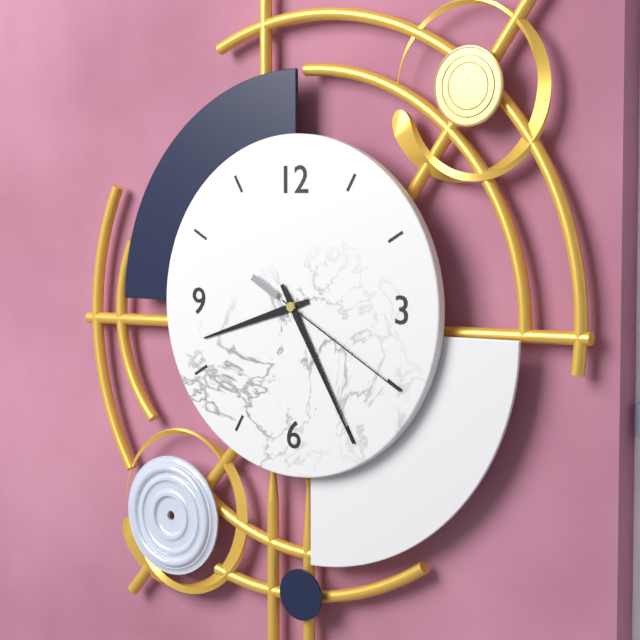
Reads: 8:25:20
